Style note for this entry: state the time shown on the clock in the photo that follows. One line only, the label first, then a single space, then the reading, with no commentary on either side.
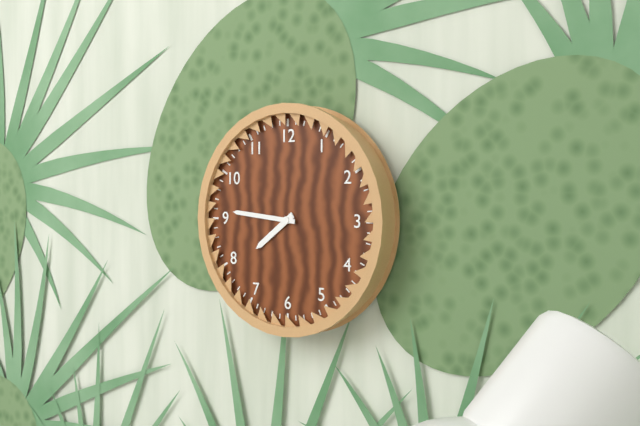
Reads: 7:46
